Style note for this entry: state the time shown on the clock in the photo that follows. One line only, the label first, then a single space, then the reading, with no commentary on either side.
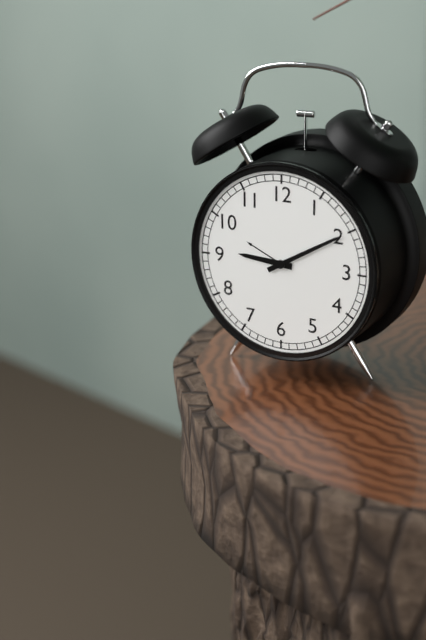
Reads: 9:10
